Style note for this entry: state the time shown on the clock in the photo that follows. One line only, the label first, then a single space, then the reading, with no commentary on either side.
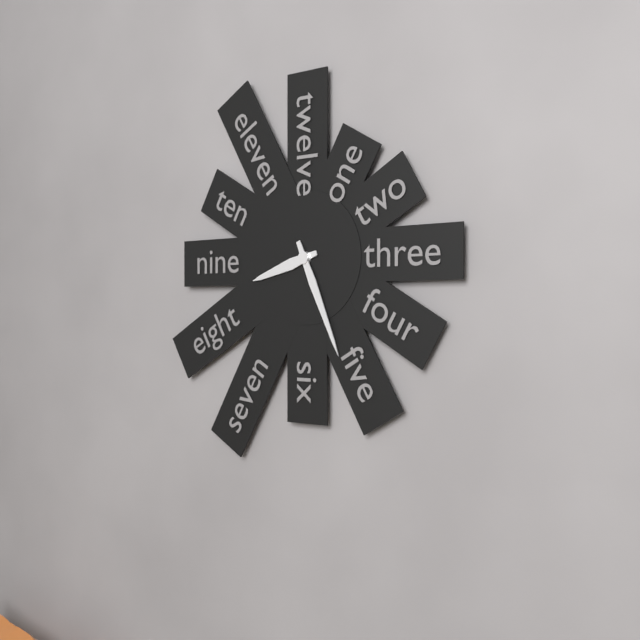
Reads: 8:26
